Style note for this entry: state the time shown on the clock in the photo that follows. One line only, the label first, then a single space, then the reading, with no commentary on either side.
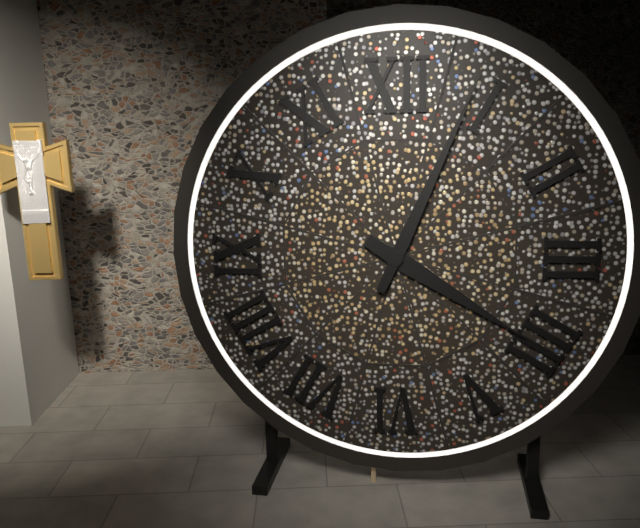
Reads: 4:04
